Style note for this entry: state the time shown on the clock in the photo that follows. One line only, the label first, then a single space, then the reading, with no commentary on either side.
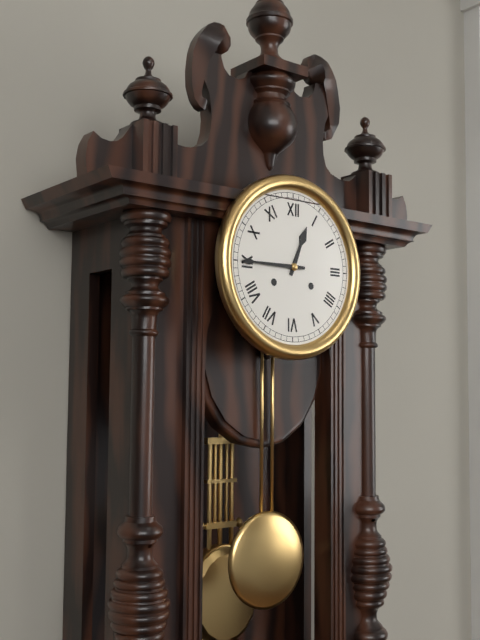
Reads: 12:45
